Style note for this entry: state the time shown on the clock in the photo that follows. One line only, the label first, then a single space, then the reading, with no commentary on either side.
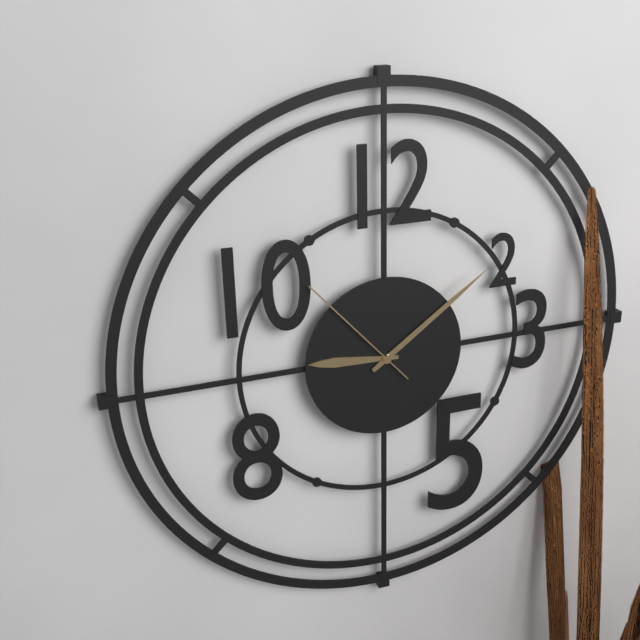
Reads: 9:09:53
